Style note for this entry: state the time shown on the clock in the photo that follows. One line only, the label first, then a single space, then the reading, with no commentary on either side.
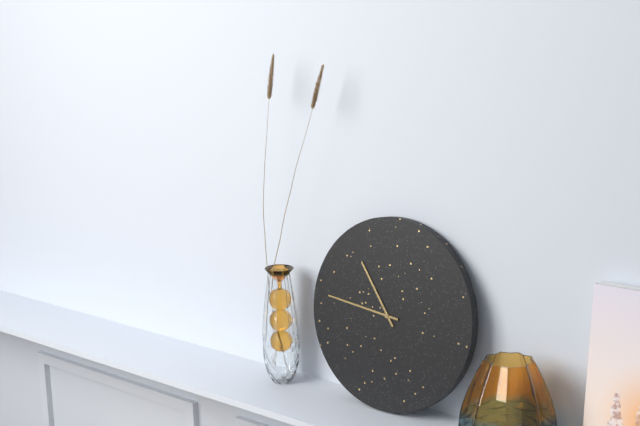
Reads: 10:46
